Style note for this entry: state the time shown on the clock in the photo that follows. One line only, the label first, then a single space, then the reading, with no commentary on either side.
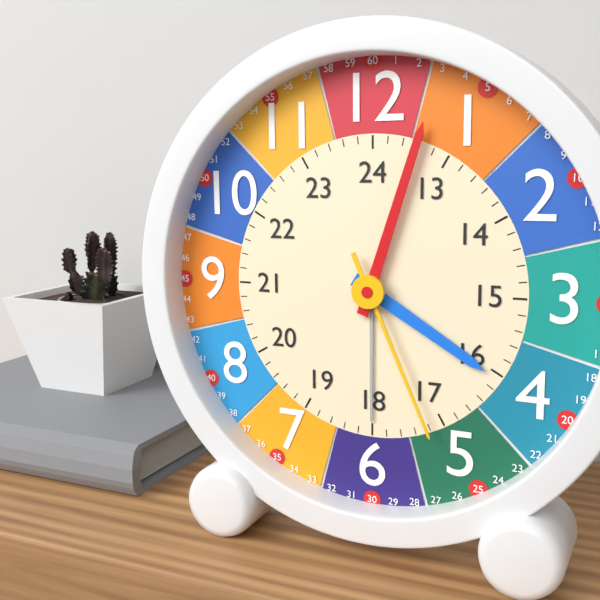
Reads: 4:03:26
